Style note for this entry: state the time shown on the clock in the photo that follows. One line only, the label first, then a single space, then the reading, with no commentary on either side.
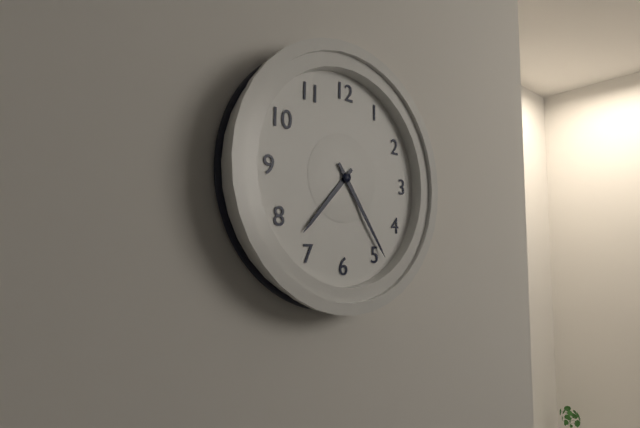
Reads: 7:24
